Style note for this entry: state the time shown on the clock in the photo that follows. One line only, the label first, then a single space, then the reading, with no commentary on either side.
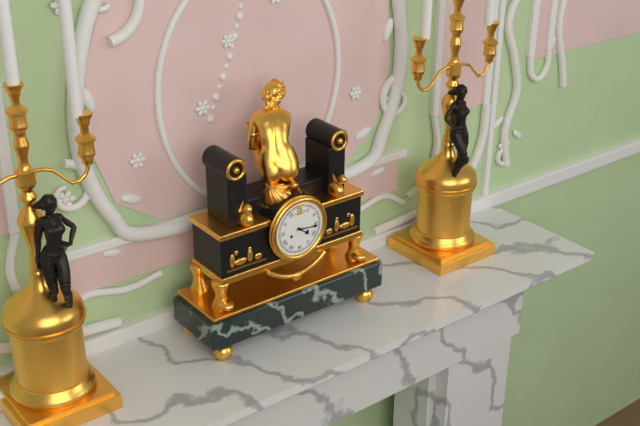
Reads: 4:16
